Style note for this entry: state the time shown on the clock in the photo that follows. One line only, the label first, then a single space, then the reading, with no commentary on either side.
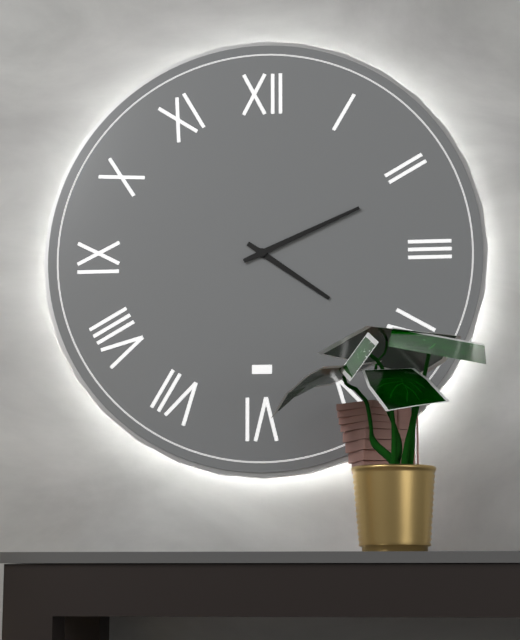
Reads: 4:11
